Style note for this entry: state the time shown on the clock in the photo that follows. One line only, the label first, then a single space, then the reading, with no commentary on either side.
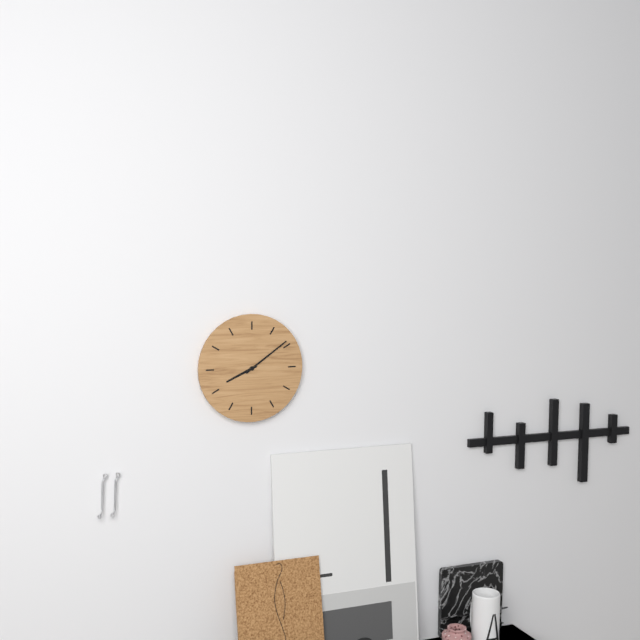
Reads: 8:09
